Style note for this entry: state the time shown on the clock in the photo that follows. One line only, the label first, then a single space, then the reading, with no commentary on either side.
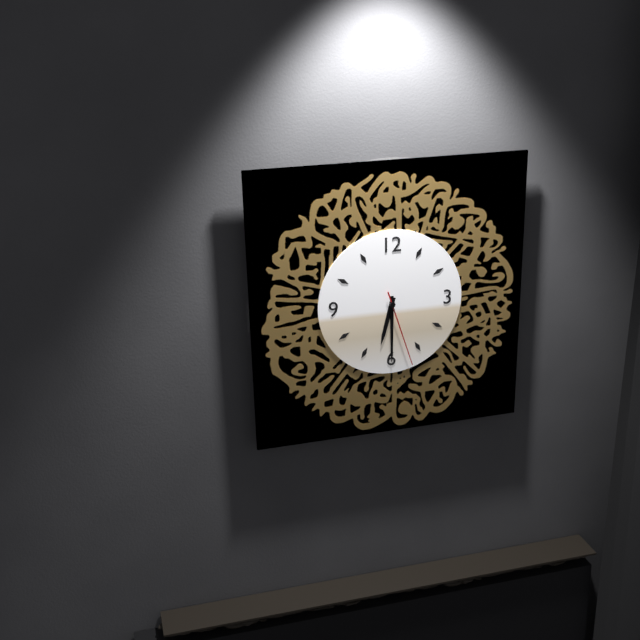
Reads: 6:30:27
